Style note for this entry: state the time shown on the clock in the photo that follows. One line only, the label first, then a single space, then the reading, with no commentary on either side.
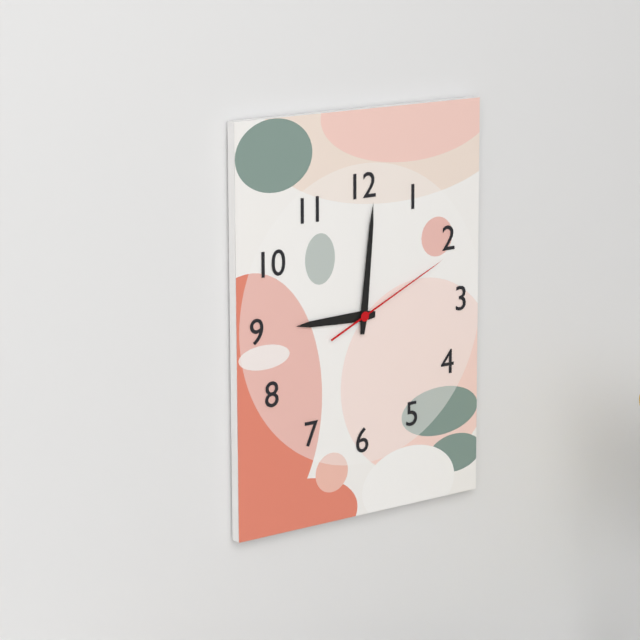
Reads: 9:01:11
